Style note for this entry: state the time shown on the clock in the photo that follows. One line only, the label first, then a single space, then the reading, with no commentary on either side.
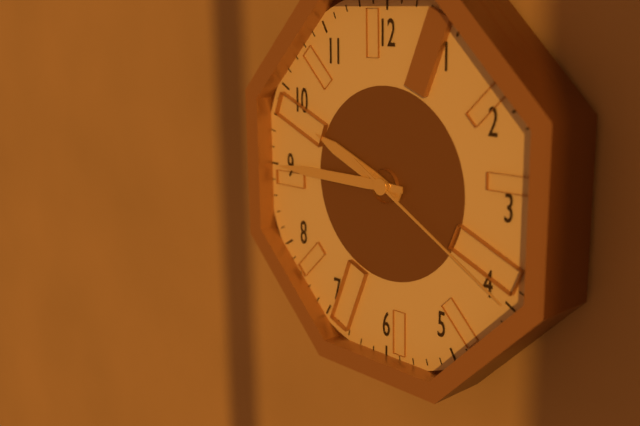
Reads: 9:45:20
